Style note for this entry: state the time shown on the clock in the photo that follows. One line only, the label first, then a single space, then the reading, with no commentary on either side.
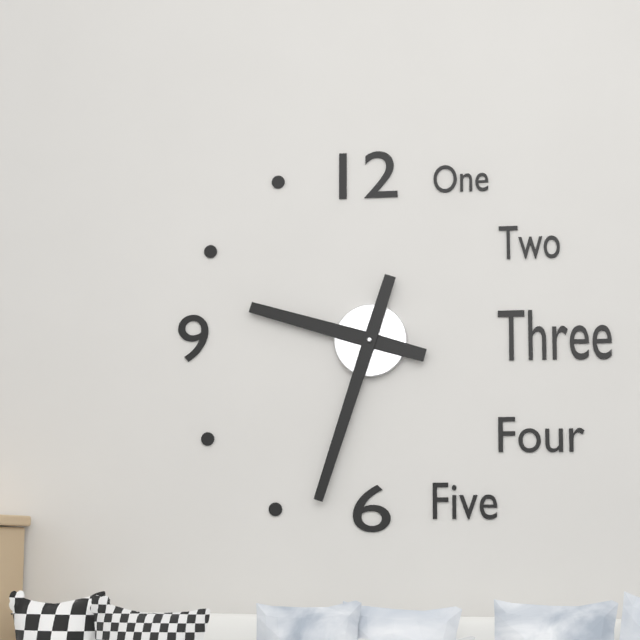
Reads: 9:33
